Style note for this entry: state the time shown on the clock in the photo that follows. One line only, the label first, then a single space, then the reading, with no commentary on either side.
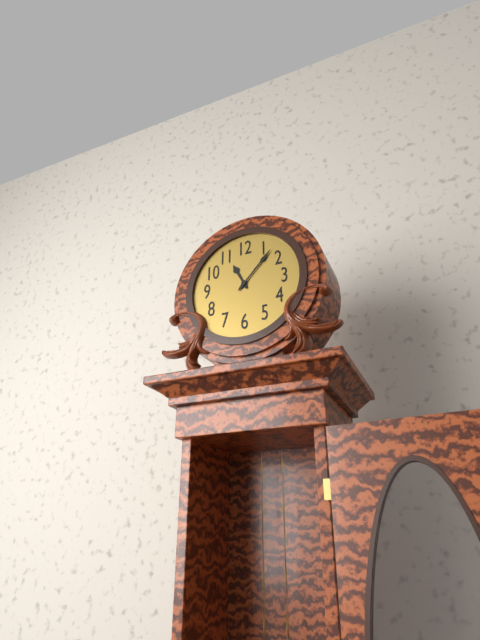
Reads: 11:07
